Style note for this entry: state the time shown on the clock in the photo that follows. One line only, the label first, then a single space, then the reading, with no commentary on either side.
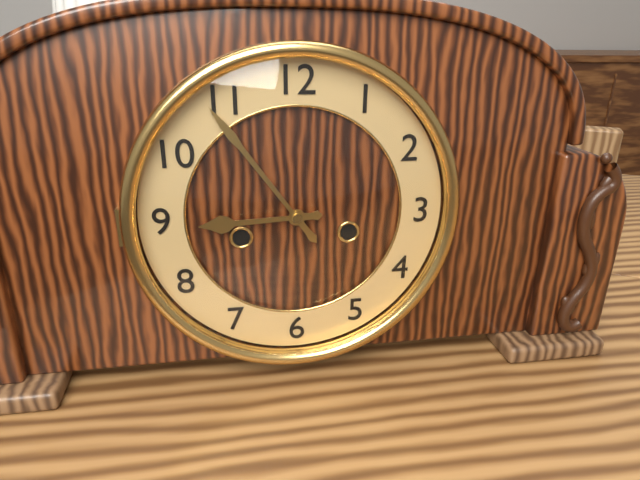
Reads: 8:54
